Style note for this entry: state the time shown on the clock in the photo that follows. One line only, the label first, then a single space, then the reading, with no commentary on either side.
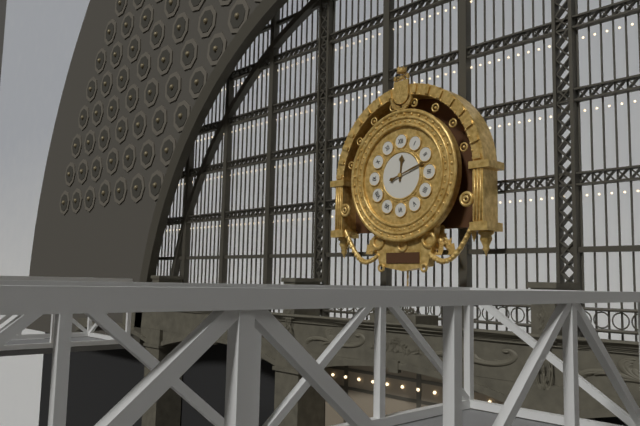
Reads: 12:12
